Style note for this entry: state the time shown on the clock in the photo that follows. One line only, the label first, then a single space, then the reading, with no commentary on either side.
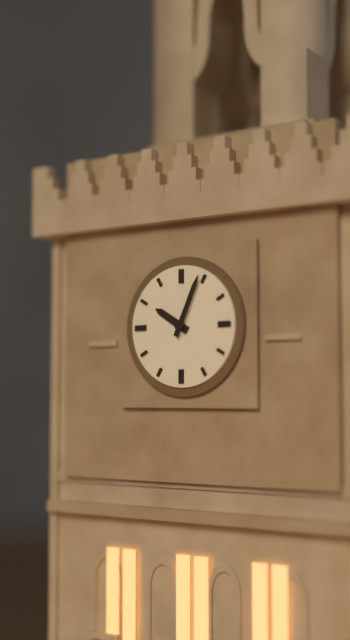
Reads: 10:04
